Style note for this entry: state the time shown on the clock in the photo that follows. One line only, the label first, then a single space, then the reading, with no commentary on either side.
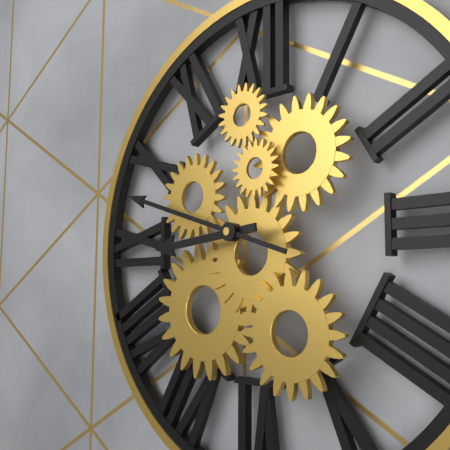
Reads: 8:48
